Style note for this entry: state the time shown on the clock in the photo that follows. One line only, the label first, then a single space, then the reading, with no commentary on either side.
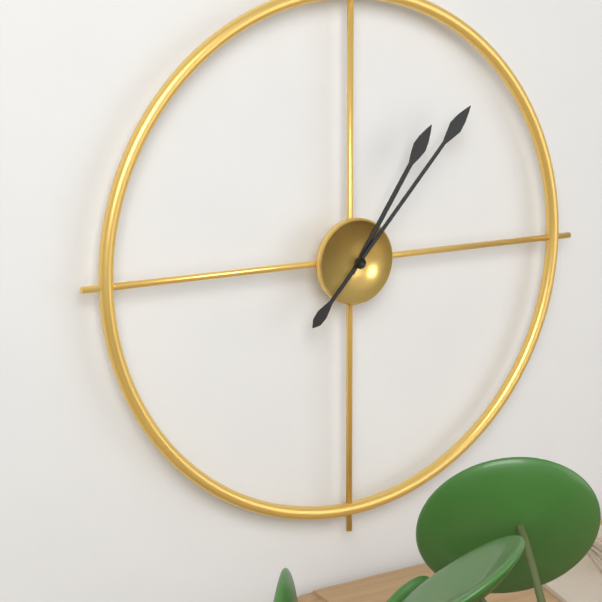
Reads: 1:07
